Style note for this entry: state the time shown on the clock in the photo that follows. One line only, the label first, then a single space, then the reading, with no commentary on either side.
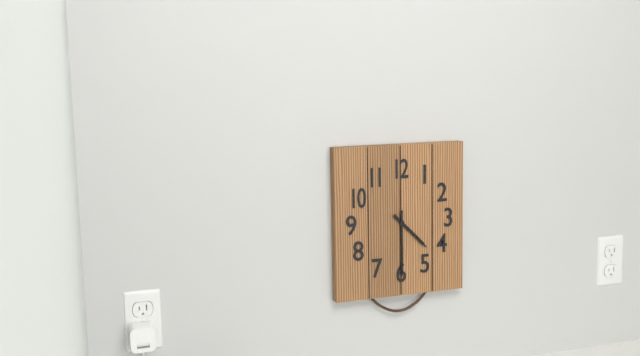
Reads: 4:30
